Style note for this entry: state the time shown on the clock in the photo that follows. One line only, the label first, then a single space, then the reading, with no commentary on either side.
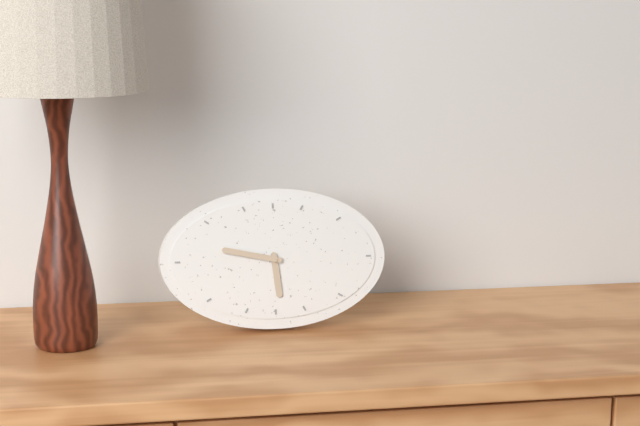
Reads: 5:47
